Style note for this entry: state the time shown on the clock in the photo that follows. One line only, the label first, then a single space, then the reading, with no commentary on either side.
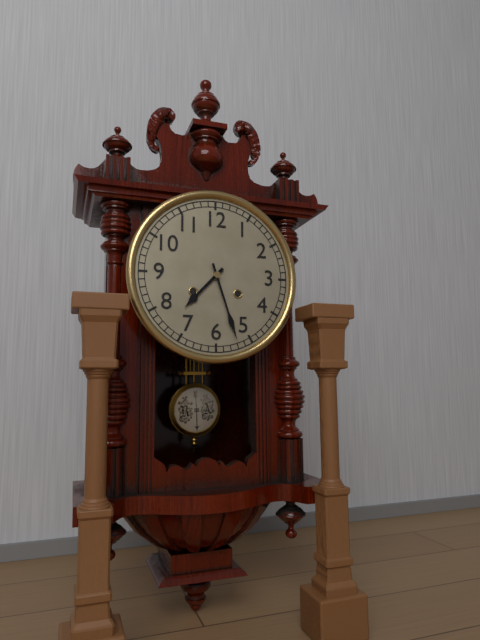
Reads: 7:27
